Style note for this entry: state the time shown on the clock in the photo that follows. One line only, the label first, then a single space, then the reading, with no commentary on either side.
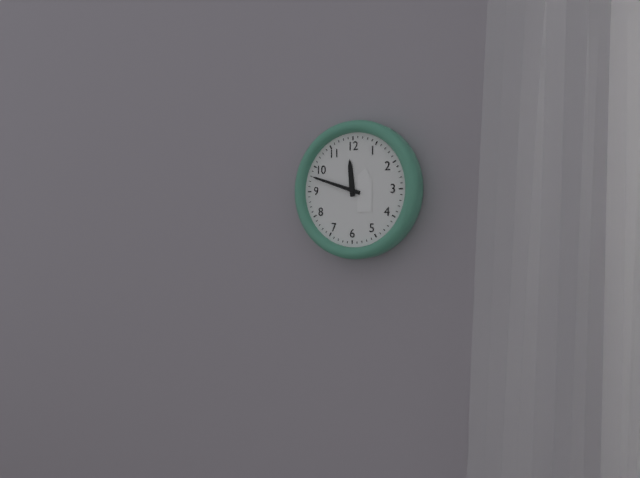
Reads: 11:48
